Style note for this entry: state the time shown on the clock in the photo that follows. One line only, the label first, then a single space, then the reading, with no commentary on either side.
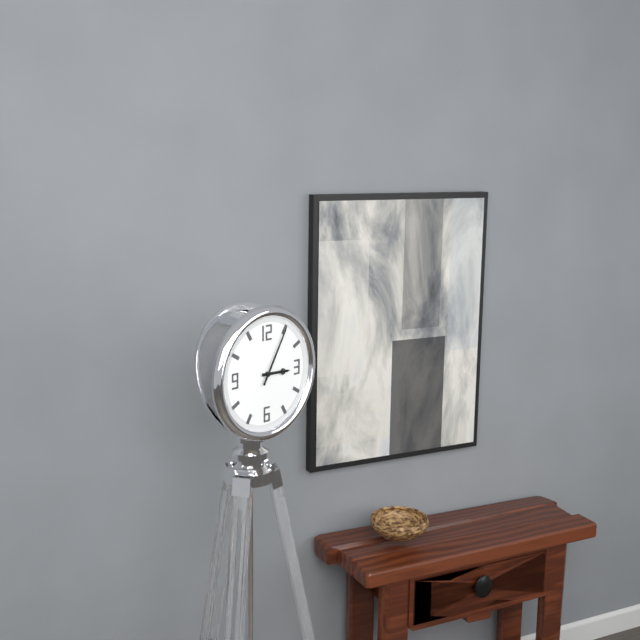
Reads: 3:05
